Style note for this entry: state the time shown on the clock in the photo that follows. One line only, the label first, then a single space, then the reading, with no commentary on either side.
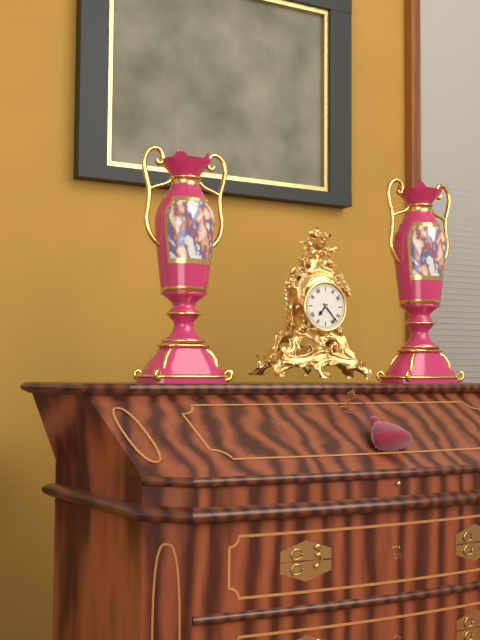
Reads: 7:23
